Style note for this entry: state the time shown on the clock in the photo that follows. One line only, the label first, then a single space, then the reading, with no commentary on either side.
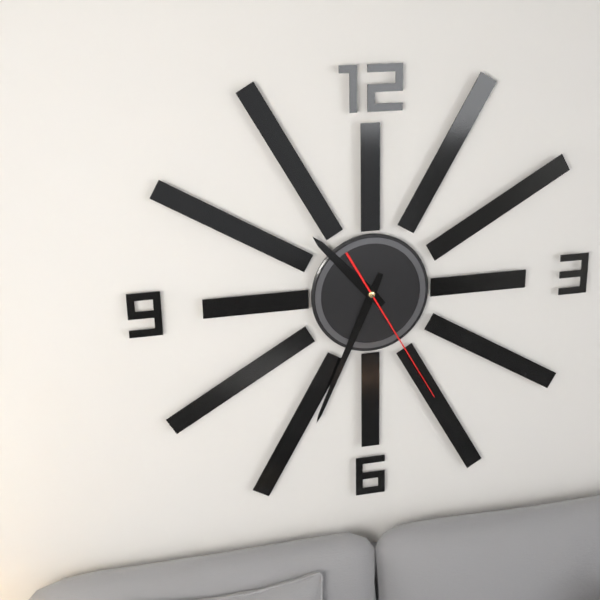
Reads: 10:34:25
